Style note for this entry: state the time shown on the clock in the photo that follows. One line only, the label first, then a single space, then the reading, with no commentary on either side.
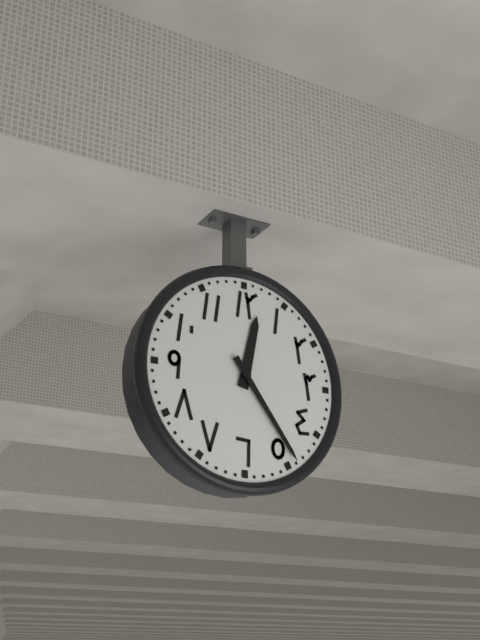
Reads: 12:24
